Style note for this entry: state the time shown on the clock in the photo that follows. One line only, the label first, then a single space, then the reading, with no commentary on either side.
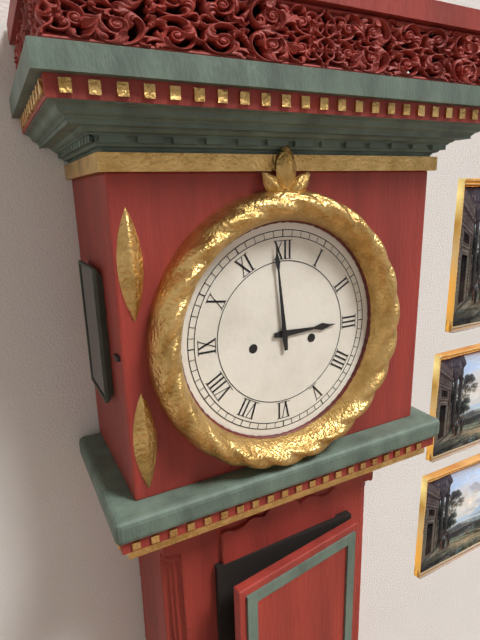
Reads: 2:59
